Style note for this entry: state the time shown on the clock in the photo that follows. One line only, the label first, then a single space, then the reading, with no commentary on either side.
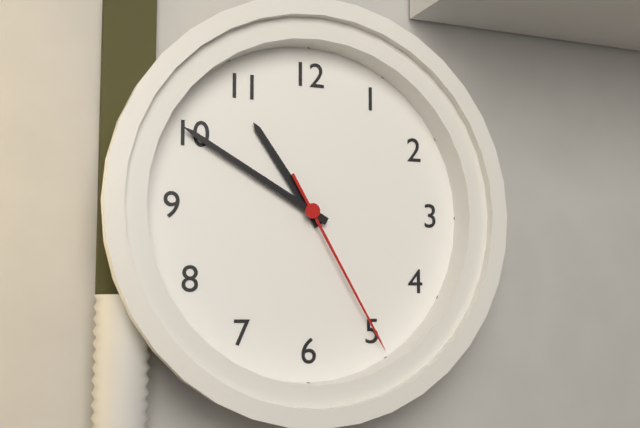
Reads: 10:50:25
